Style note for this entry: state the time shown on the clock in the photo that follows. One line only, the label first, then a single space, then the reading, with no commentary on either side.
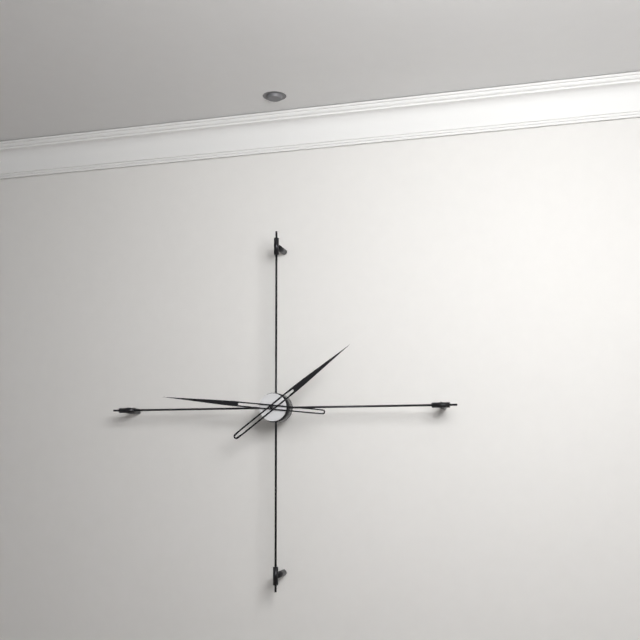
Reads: 1:46
